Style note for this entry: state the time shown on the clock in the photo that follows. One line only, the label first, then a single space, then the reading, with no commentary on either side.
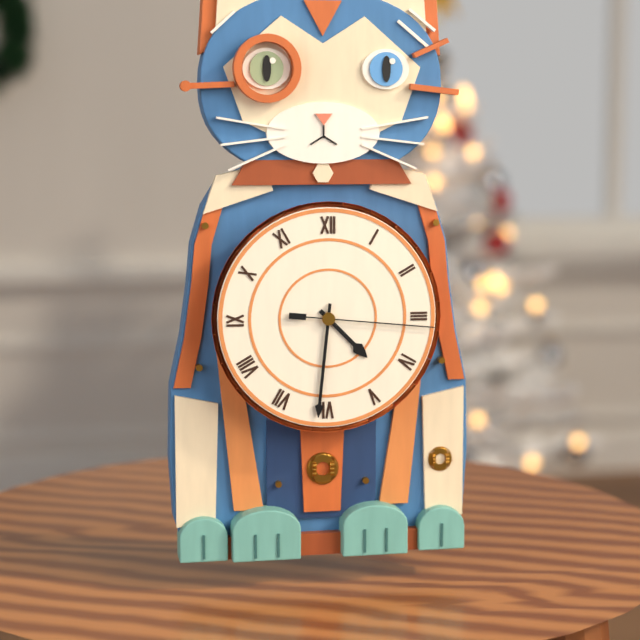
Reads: 4:31:16
